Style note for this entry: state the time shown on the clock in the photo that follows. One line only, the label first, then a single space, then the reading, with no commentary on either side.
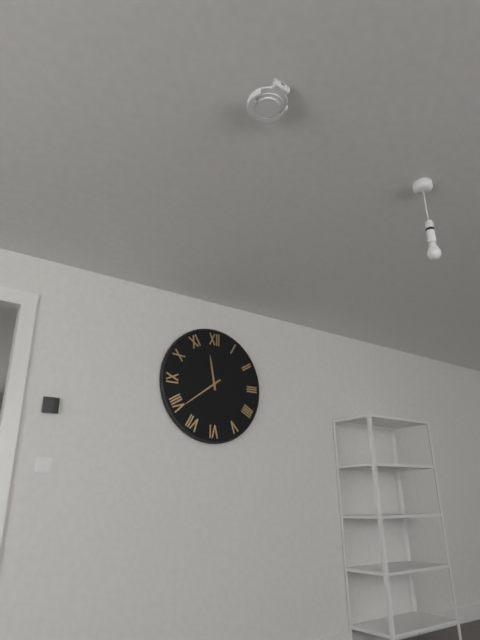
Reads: 11:39
